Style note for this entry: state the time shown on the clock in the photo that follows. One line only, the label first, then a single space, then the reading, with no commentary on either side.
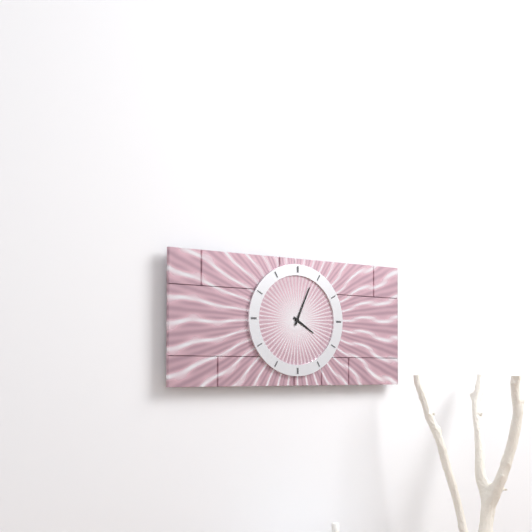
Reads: 4:04
